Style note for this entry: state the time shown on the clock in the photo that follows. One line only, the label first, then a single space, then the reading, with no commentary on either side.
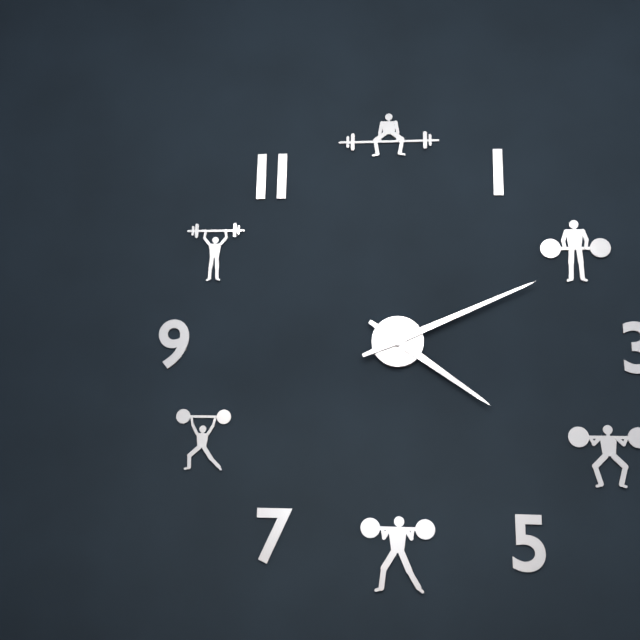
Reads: 4:11
